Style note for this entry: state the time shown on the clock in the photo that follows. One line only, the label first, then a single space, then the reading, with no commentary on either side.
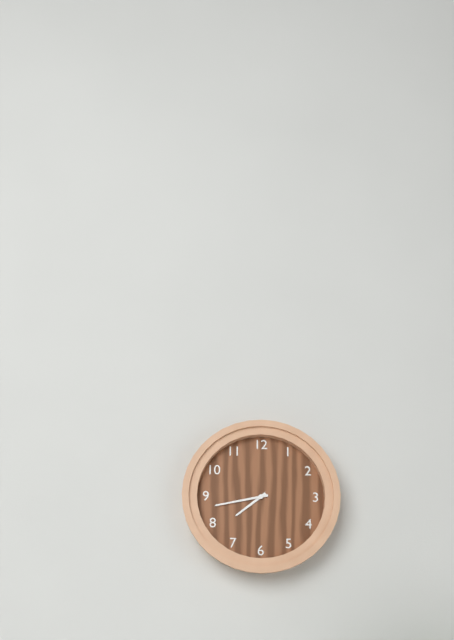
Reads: 7:43
